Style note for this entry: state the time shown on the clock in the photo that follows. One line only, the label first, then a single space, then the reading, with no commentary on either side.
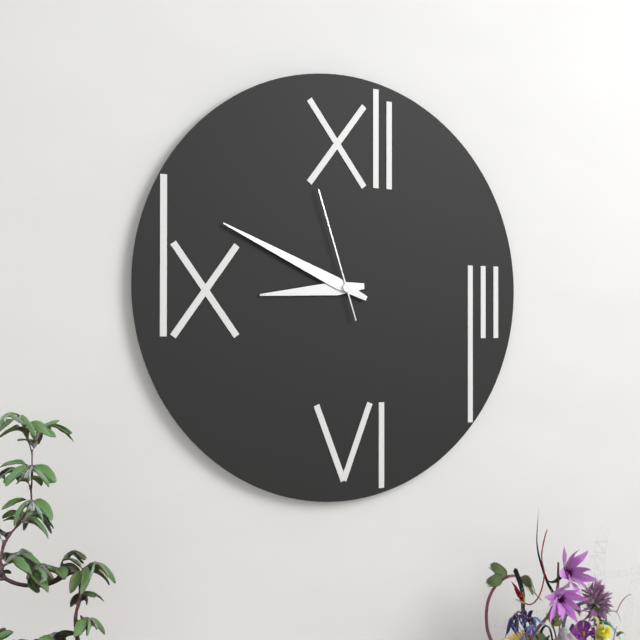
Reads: 8:49:57
